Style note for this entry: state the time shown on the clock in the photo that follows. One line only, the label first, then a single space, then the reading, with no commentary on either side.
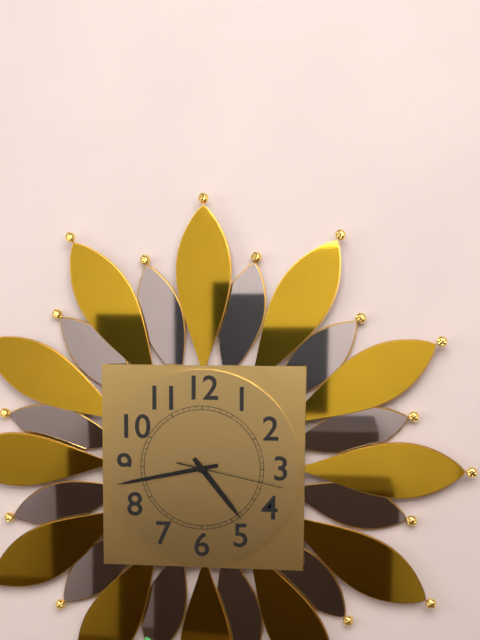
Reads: 4:43:17
